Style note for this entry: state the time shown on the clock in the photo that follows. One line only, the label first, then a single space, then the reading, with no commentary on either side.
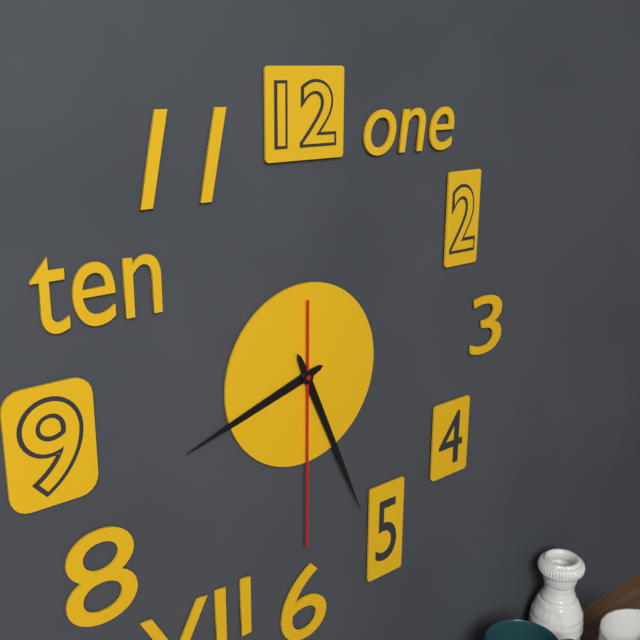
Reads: 8:26:30
